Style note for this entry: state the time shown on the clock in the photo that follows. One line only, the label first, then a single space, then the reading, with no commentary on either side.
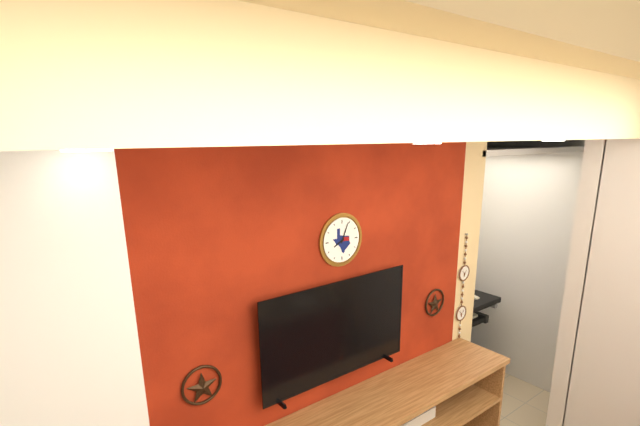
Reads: 8:04
